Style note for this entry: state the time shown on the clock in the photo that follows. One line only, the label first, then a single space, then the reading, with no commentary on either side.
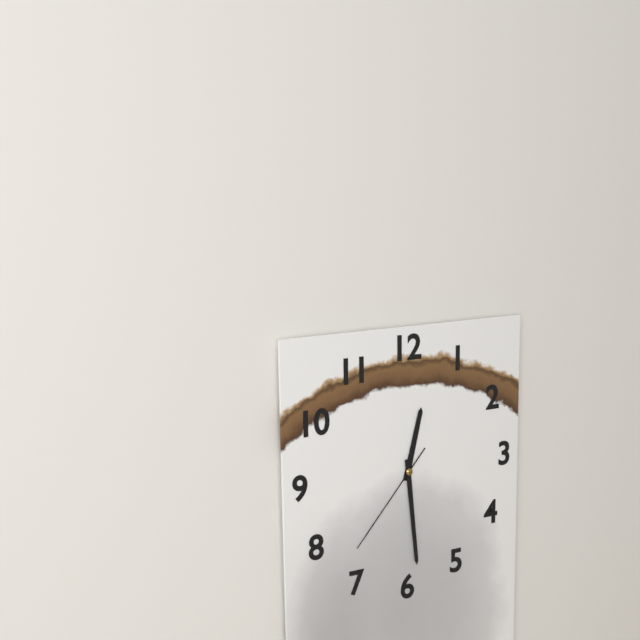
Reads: 12:29:37
